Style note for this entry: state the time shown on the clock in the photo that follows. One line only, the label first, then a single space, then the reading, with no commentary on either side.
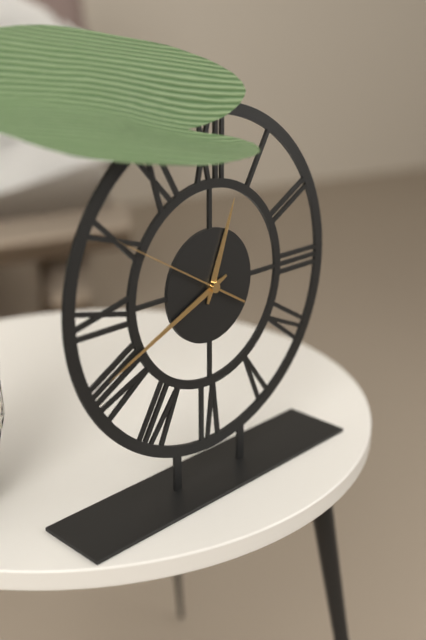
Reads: 12:41:50
